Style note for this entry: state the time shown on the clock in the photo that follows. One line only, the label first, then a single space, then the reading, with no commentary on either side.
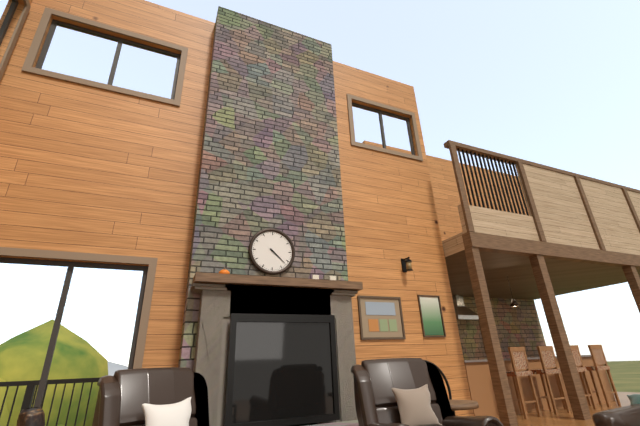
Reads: 4:22
